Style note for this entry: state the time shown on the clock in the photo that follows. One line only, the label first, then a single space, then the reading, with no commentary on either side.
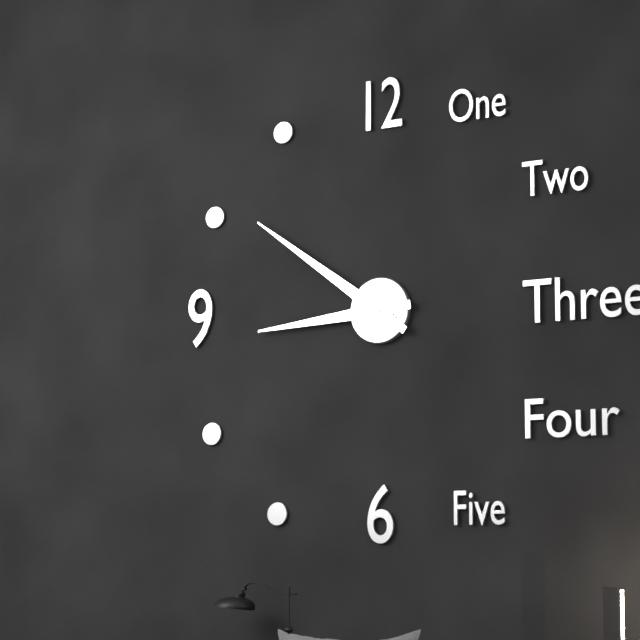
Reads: 8:51
